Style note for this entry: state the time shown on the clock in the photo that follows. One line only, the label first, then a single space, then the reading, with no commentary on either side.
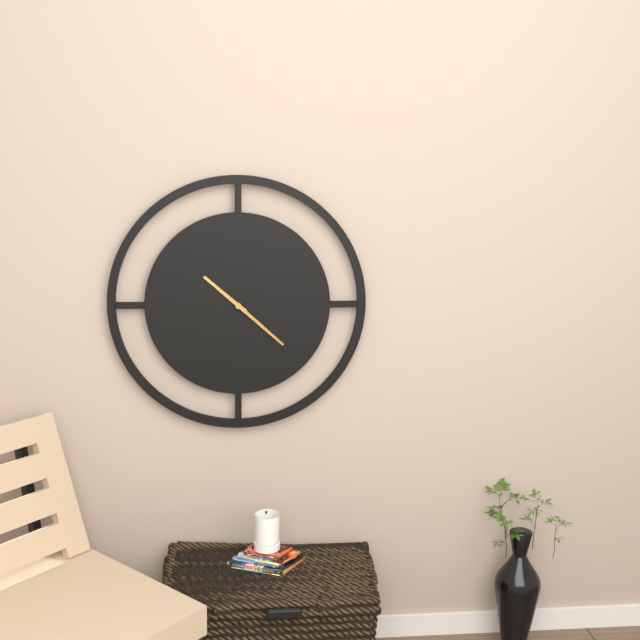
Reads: 10:22
